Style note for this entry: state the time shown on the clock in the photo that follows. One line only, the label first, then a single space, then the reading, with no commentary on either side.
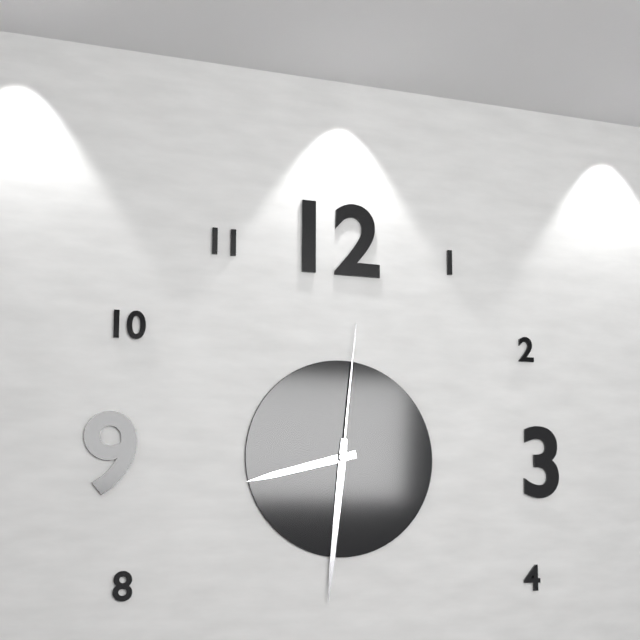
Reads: 8:31:01
